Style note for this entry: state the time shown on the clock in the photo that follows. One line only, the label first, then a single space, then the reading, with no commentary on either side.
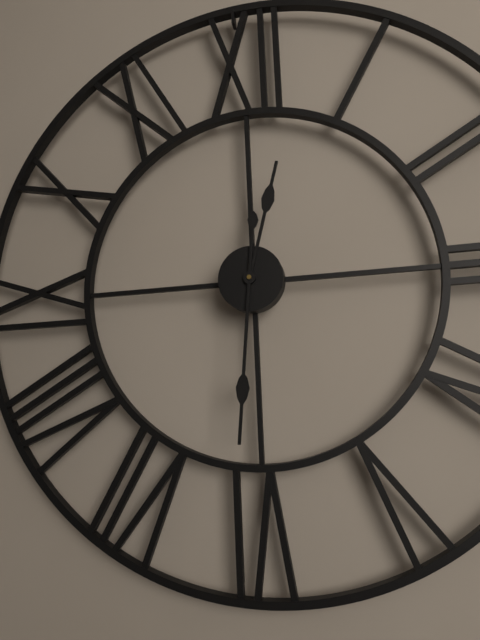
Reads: 12:31
